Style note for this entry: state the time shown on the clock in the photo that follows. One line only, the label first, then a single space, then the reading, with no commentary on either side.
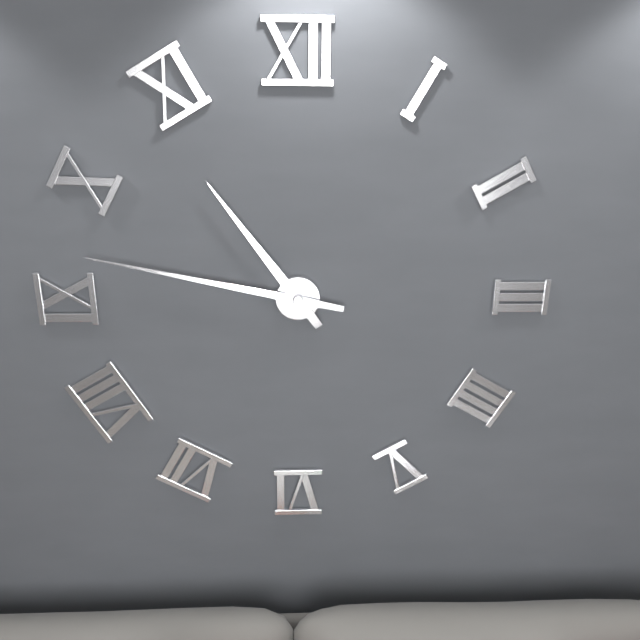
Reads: 10:47
